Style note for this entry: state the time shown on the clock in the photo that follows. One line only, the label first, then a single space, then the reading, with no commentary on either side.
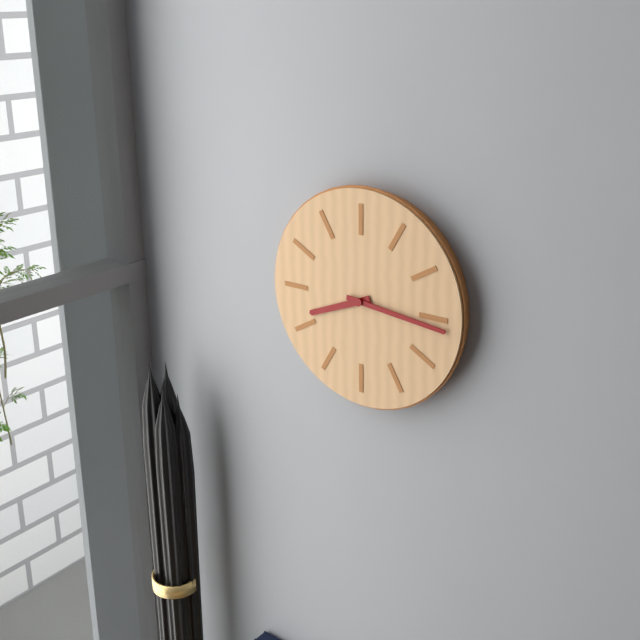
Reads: 8:16
